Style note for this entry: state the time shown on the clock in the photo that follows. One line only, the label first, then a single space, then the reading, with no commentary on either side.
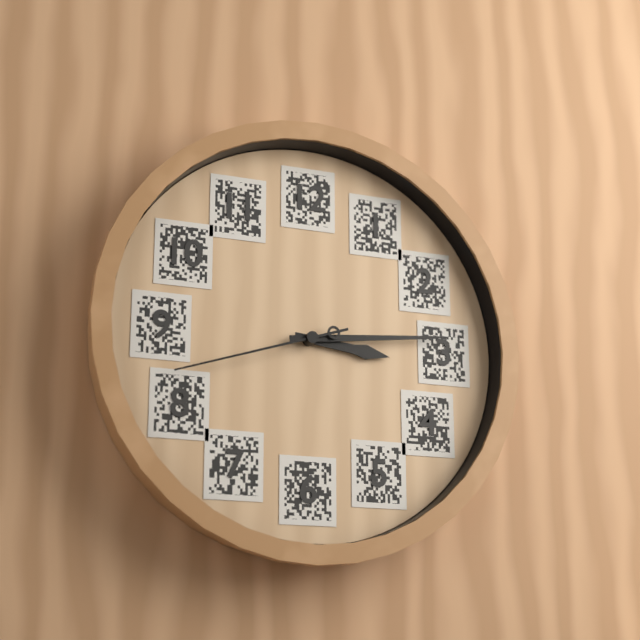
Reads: 3:14:42
